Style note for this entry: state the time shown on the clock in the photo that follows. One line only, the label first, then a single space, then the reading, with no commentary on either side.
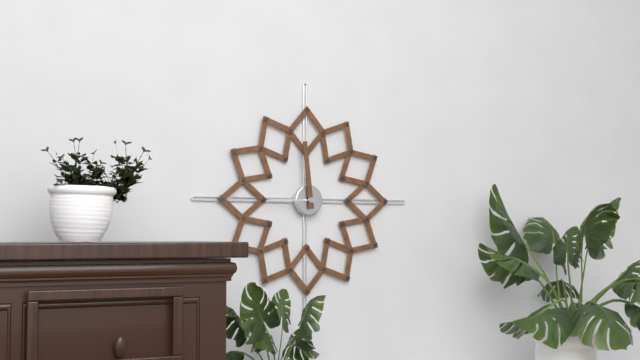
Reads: 8:59
